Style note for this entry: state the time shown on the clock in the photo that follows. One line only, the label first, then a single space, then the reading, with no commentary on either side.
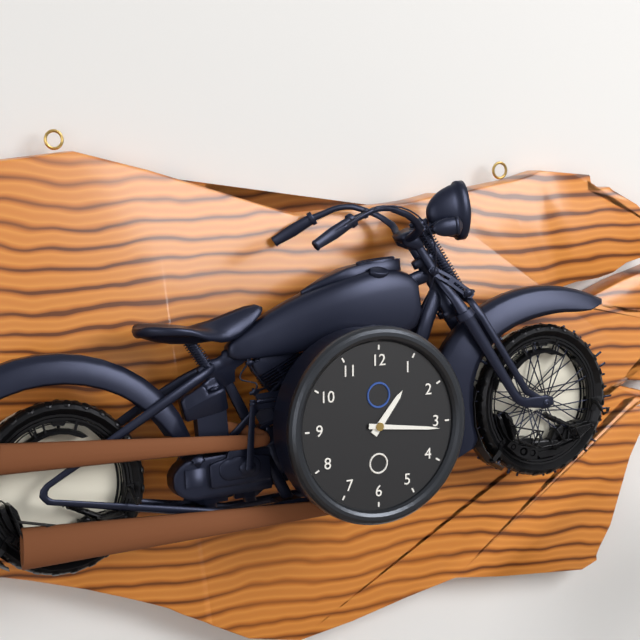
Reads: 1:16
